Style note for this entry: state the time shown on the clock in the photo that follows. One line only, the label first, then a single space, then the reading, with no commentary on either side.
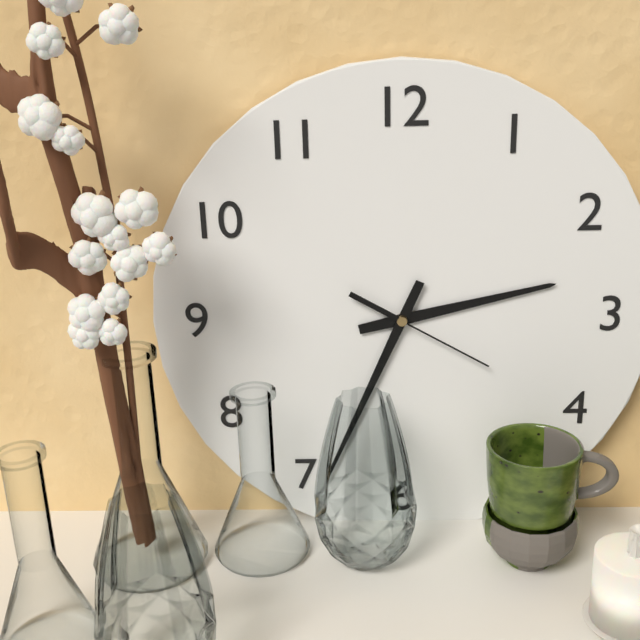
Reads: 2:34:20
